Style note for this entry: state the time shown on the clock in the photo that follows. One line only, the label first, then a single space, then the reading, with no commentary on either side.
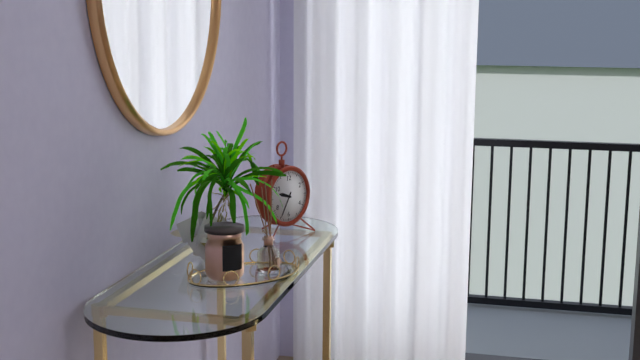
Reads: 9:35
